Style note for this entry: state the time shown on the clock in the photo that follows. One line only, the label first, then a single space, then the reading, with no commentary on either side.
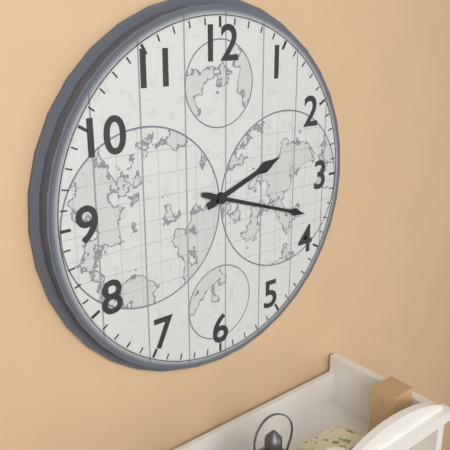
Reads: 2:18
